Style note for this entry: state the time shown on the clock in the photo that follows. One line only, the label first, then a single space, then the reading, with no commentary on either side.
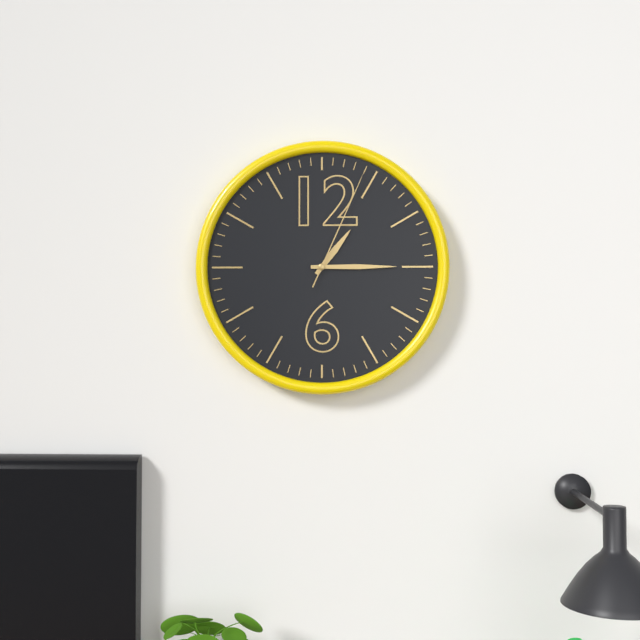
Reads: 1:15:04
